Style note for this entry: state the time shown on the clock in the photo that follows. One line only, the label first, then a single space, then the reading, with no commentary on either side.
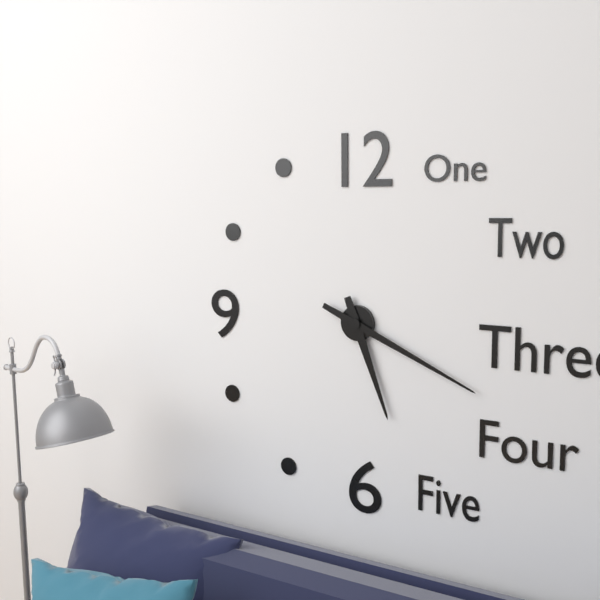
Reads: 5:19
